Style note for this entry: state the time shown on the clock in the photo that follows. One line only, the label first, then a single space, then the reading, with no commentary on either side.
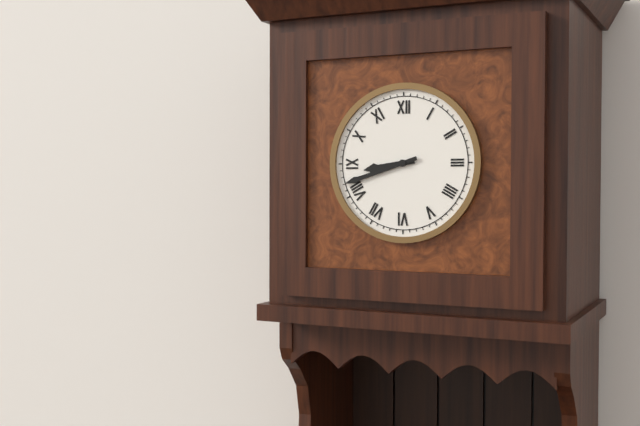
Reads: 8:42
